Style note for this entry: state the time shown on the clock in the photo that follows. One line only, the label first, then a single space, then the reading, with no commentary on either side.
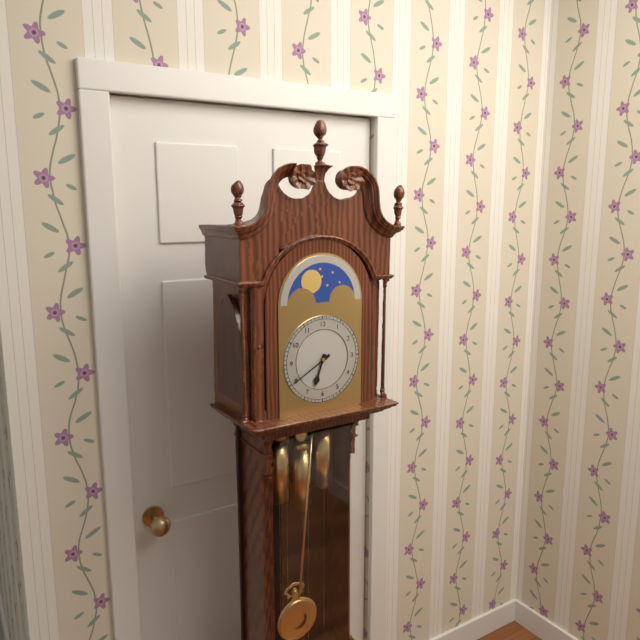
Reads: 6:40
